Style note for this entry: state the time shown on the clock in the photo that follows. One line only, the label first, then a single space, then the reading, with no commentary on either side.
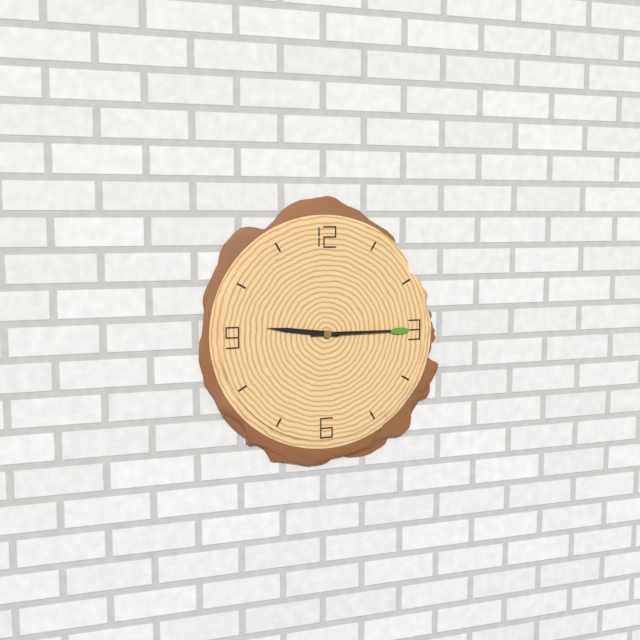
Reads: 9:15
